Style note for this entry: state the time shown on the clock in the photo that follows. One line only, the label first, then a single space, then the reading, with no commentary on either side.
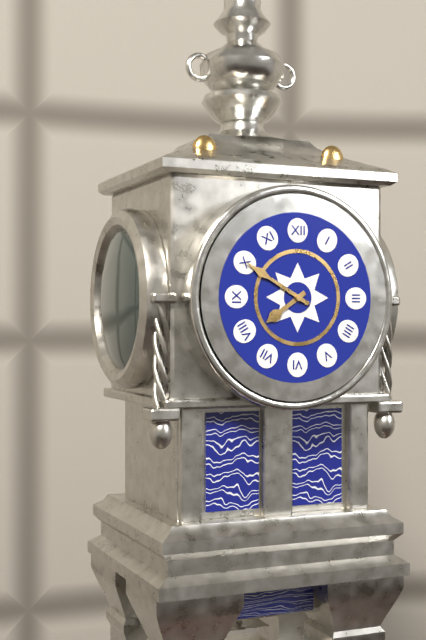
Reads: 7:50
